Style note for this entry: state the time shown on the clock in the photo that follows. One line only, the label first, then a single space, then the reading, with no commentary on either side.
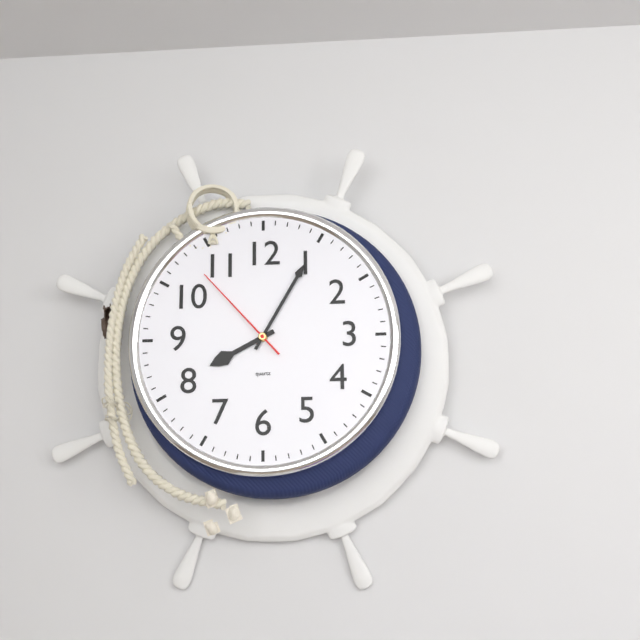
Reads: 8:05:53
